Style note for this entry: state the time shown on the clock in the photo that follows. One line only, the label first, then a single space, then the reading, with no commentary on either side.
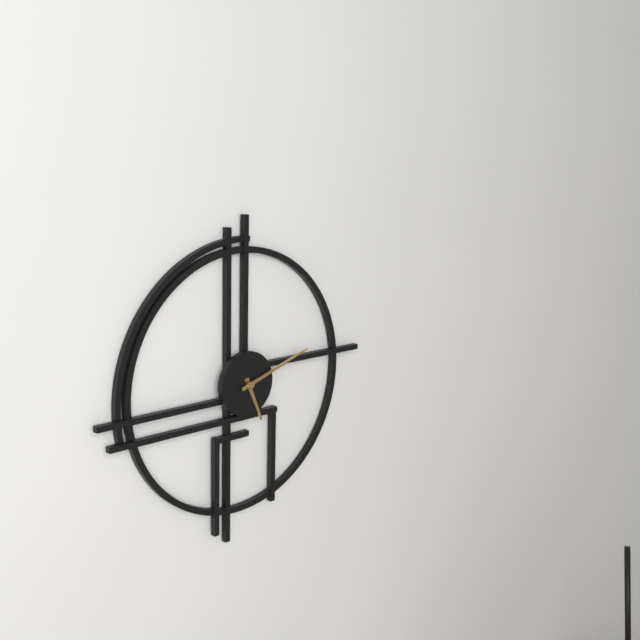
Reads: 5:12
